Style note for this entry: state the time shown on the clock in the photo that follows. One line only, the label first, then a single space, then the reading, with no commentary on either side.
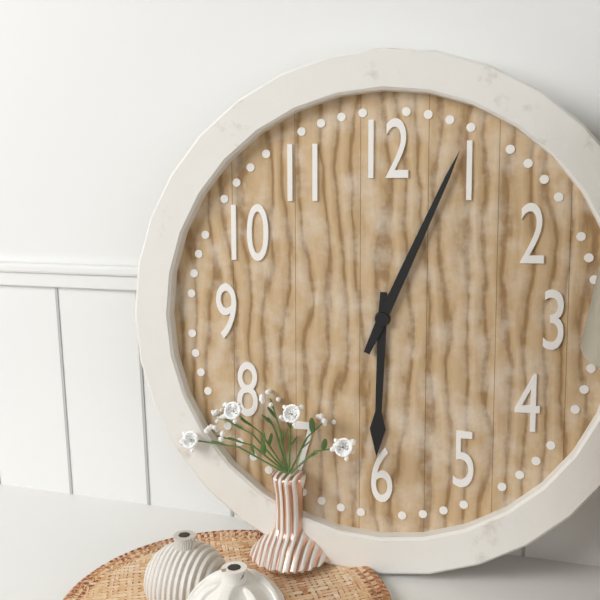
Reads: 6:04
